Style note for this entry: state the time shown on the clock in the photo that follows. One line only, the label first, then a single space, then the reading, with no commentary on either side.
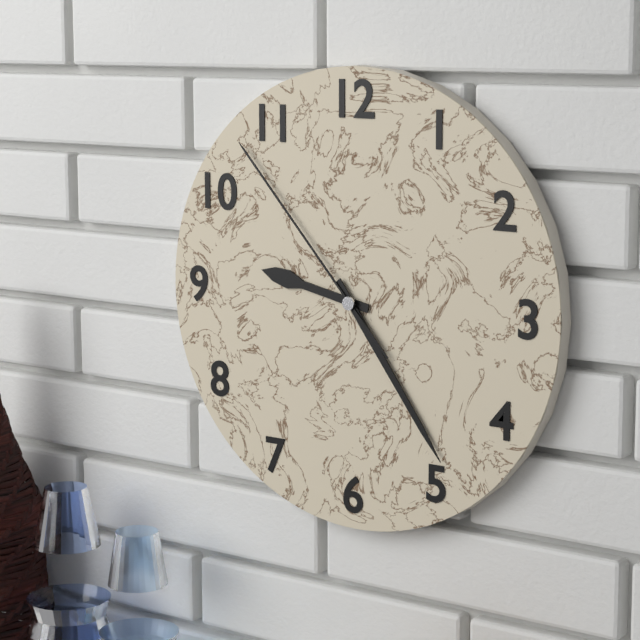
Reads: 9:24:53
